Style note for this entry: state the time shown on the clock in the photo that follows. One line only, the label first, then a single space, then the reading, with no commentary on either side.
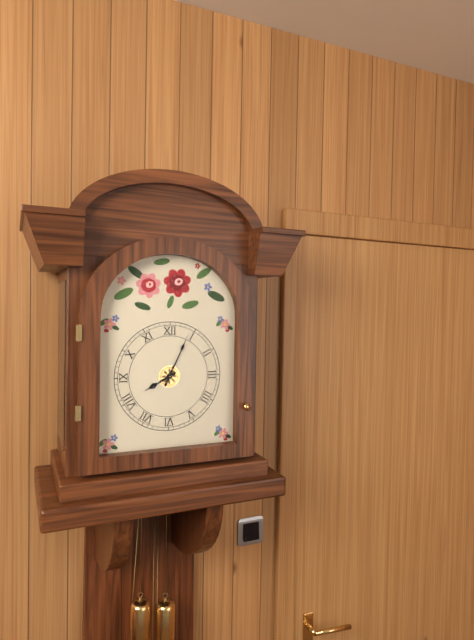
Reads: 8:04
